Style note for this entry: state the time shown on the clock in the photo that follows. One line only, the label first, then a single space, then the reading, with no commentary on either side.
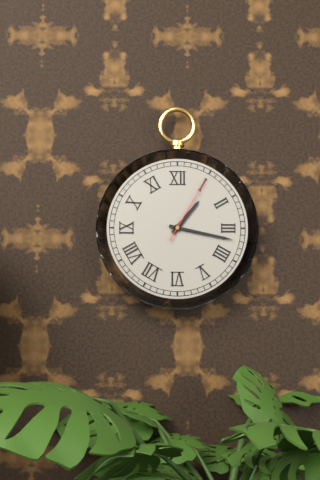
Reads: 1:17:05
